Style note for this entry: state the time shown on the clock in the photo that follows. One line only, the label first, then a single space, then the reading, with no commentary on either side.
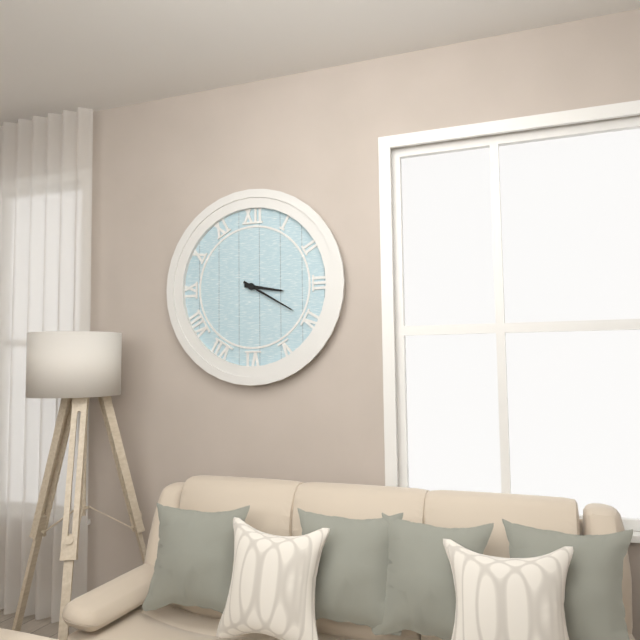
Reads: 3:20
